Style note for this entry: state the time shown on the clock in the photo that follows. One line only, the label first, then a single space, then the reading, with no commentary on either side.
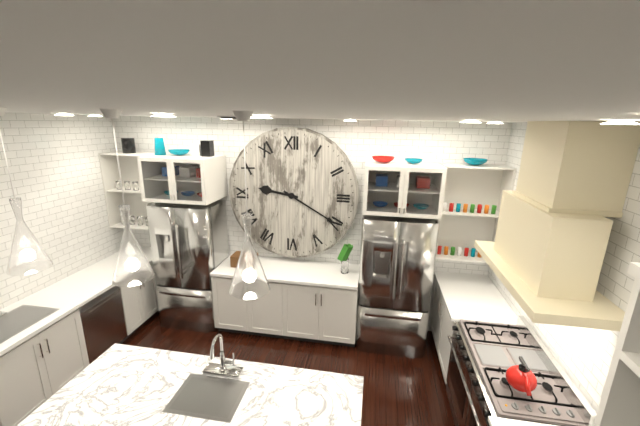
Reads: 9:20
